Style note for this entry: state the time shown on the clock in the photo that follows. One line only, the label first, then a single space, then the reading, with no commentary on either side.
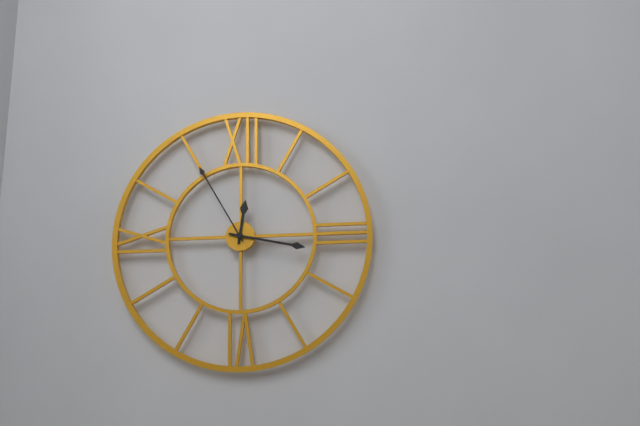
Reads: 12:17:55
